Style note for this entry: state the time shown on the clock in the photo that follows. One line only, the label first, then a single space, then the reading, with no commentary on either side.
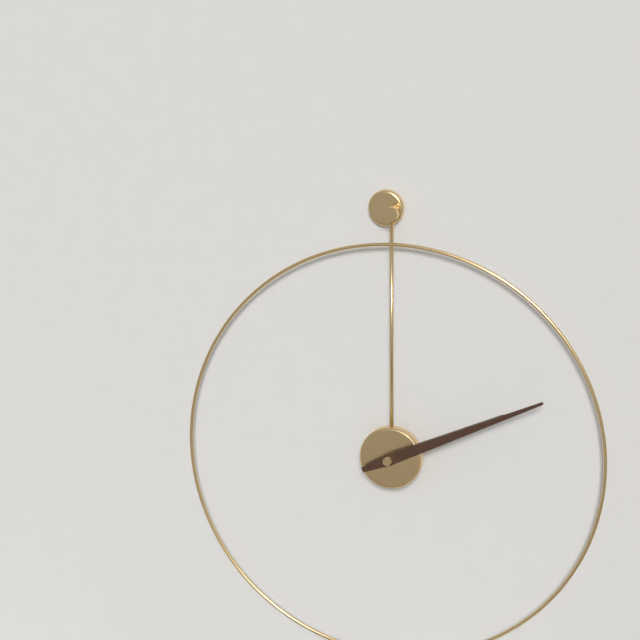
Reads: 2:11
